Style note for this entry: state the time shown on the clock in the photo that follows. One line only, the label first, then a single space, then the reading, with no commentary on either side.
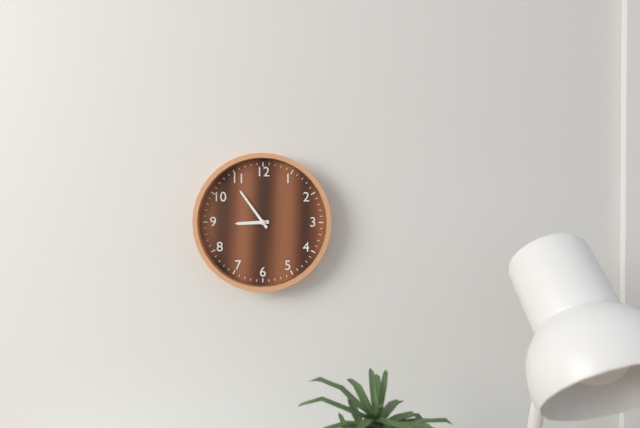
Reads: 8:54
